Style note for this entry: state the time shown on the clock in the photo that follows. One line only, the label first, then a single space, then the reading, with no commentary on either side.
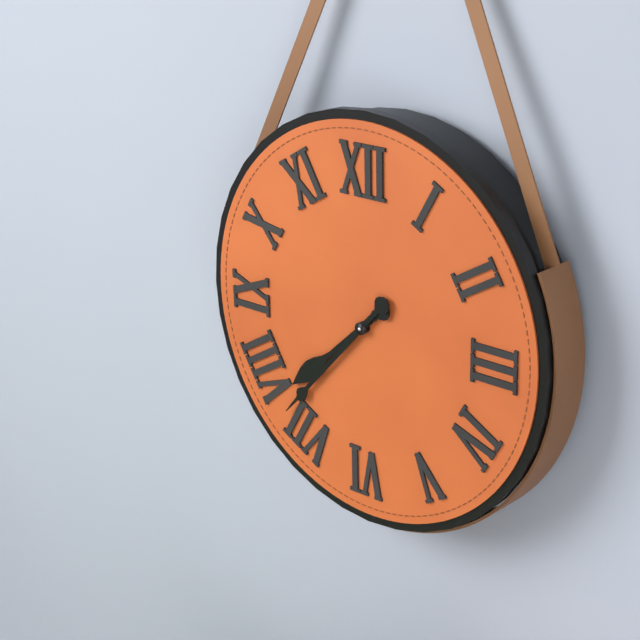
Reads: 7:37
